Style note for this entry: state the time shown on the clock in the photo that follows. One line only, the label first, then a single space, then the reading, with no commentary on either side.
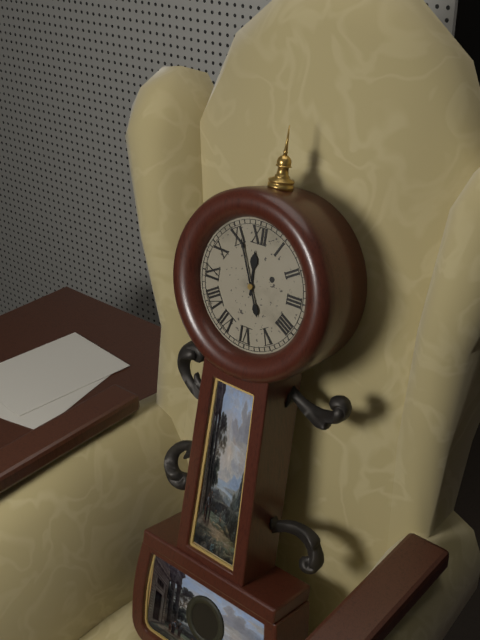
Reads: 11:56
